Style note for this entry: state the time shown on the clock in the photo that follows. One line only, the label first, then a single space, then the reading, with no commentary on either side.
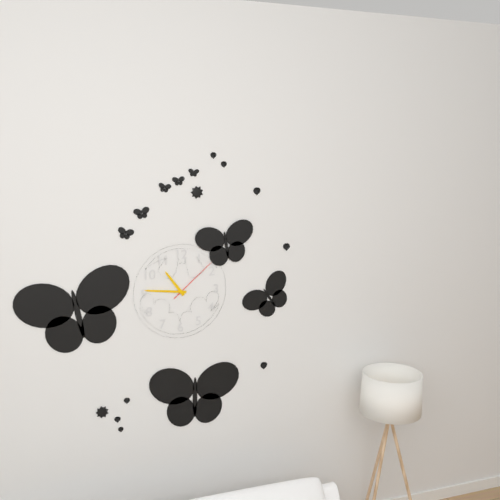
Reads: 10:46:08
